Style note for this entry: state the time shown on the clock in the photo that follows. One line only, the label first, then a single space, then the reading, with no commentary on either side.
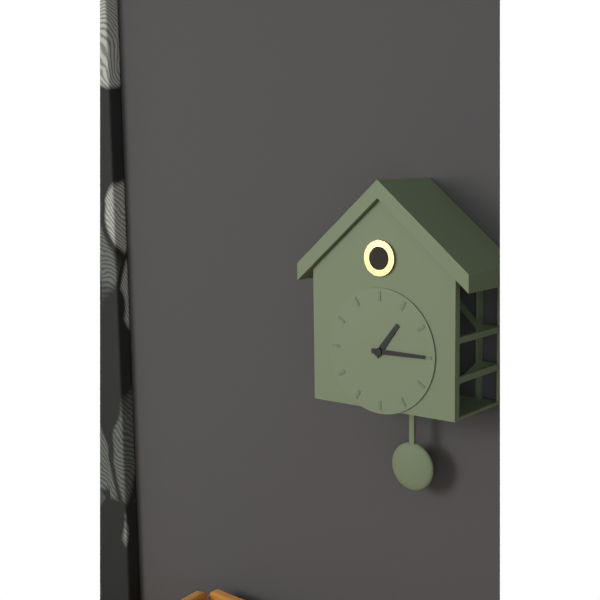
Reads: 1:15
